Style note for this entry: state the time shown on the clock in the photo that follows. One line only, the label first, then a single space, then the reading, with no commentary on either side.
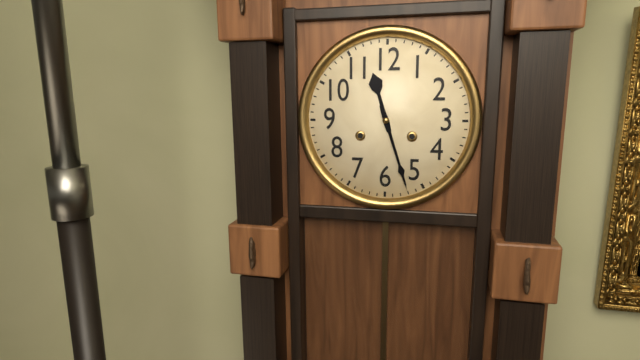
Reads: 11:27
